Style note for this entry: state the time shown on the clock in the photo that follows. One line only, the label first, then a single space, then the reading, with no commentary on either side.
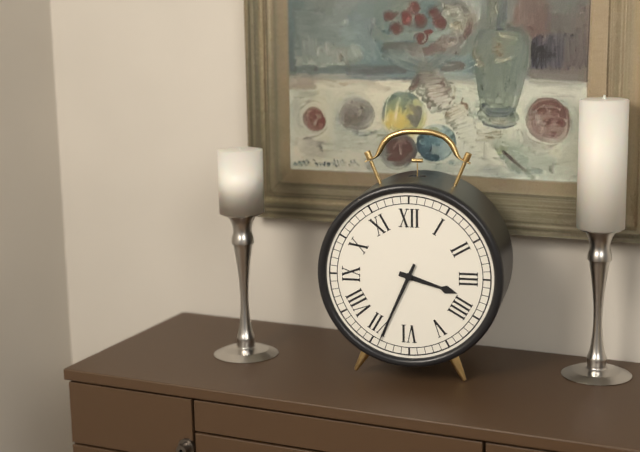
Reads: 3:34
